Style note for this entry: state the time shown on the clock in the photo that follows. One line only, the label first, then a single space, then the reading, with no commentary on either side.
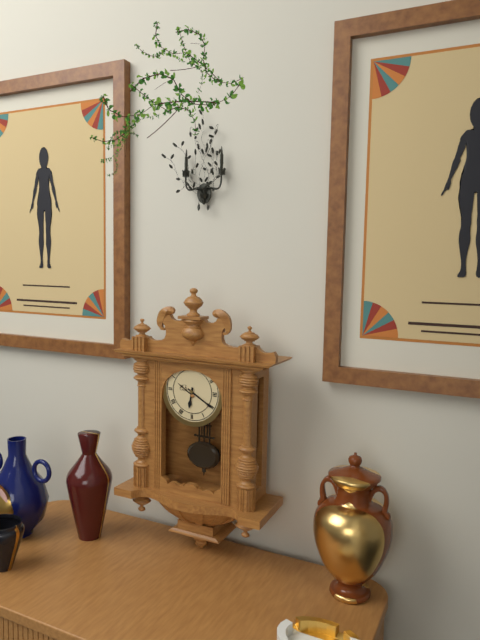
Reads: 6:20
